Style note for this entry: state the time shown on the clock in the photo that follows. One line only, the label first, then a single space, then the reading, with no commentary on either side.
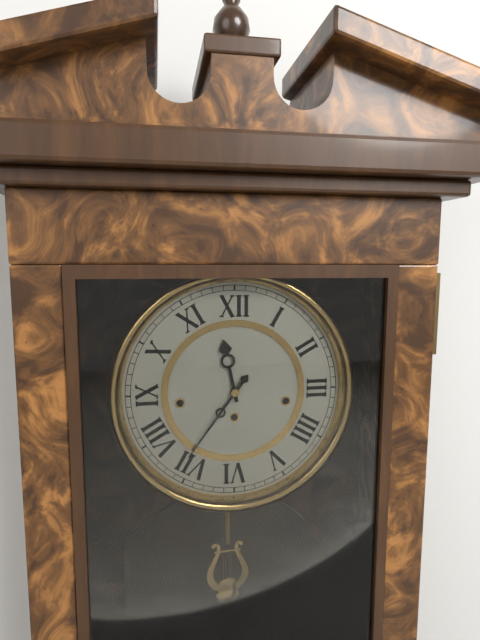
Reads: 11:36
